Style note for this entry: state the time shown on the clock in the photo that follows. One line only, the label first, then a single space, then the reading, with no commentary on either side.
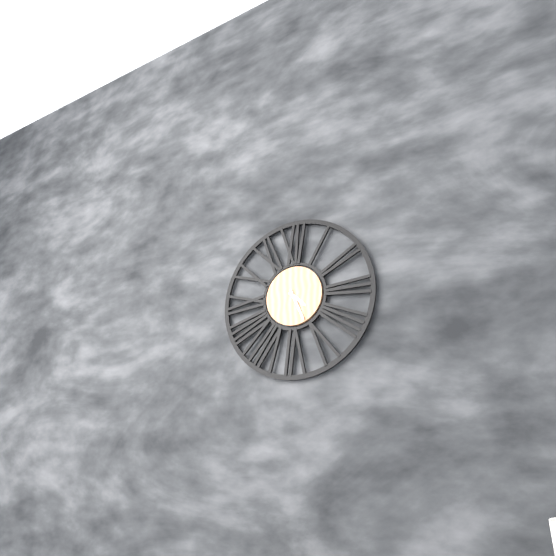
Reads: 4:26
